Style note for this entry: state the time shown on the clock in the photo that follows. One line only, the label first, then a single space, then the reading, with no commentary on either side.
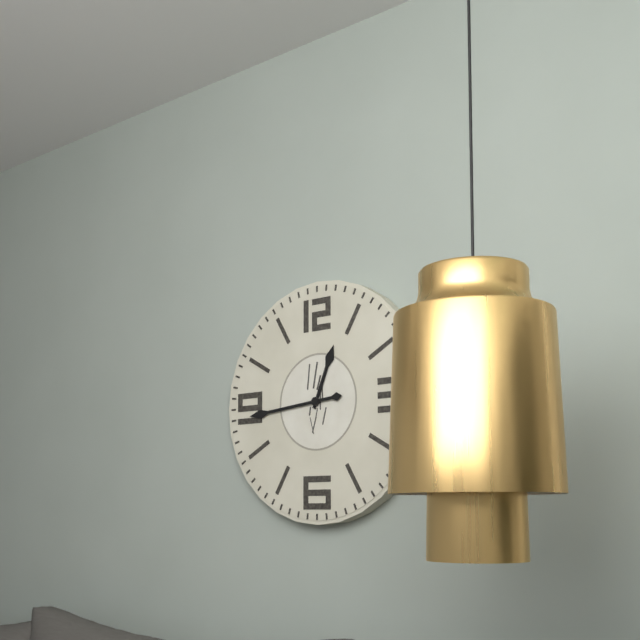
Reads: 12:44
